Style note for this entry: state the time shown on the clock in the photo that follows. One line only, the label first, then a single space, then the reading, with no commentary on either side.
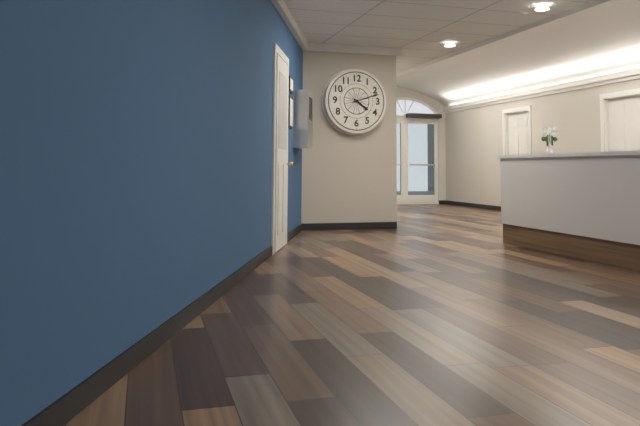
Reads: 4:12
